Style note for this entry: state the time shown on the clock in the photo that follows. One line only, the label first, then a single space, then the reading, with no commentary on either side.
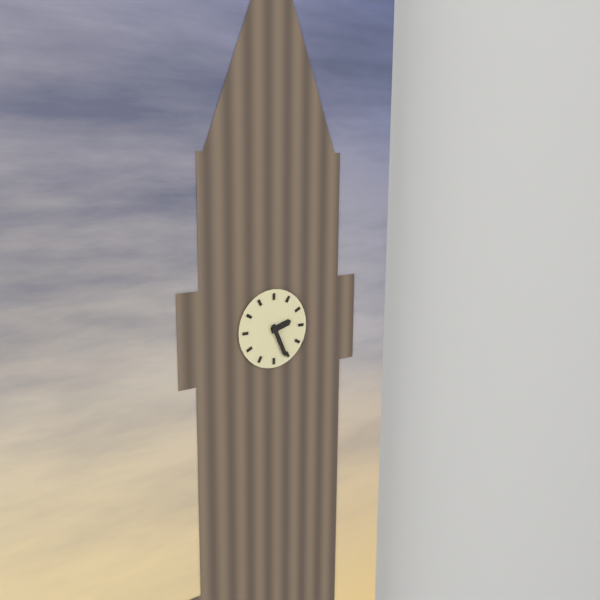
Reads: 2:26
